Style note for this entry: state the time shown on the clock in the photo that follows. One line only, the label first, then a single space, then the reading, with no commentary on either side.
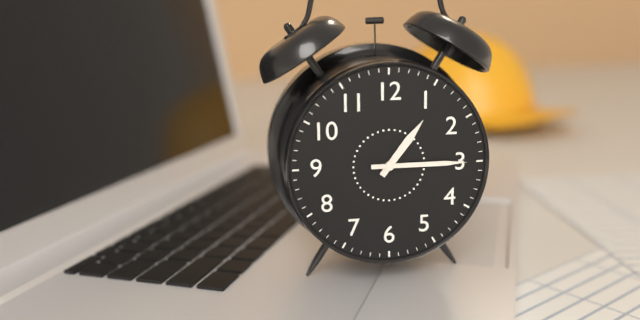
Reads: 1:15
